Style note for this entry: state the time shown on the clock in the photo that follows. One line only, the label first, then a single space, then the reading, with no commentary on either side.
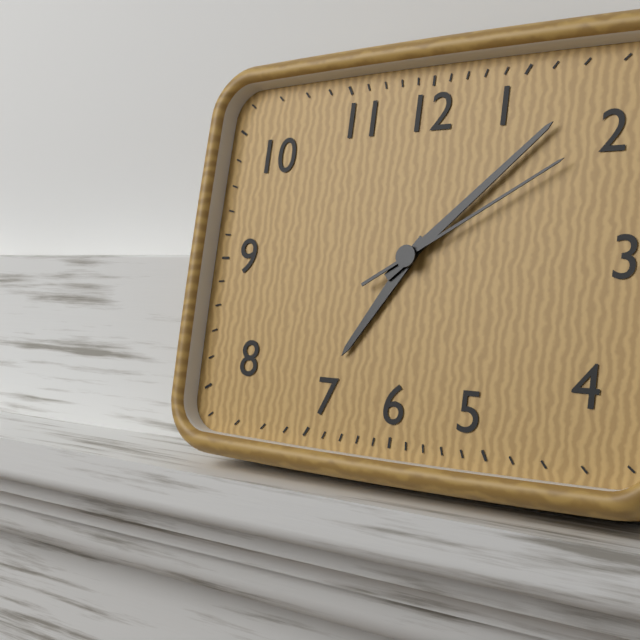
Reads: 7:08:10
